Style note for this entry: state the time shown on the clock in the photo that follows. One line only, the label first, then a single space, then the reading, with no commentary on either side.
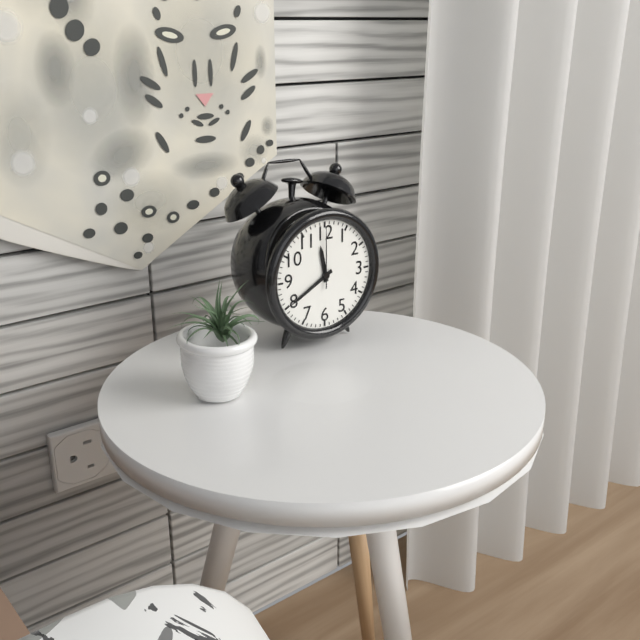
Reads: 11:40:00
